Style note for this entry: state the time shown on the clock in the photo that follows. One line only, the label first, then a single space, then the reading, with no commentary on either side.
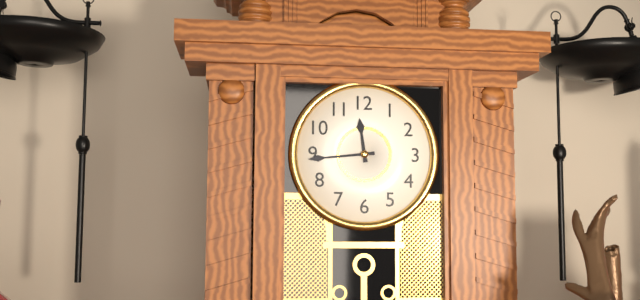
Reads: 11:44
